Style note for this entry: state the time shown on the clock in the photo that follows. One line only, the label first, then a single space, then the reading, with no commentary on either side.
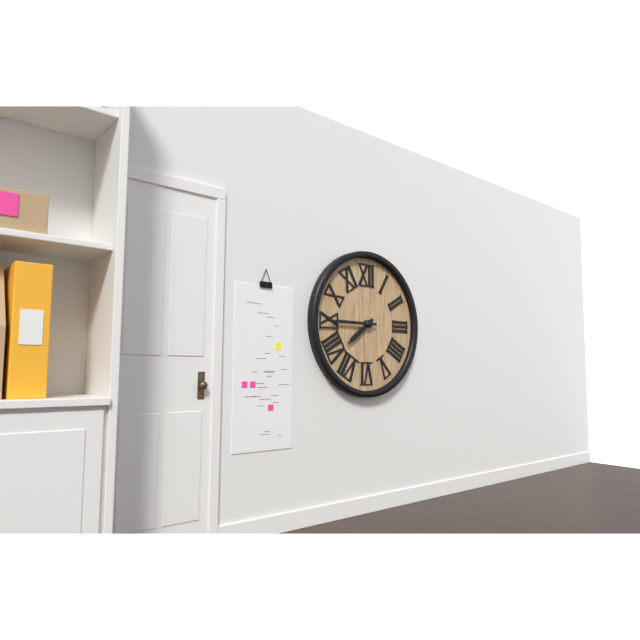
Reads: 7:45
